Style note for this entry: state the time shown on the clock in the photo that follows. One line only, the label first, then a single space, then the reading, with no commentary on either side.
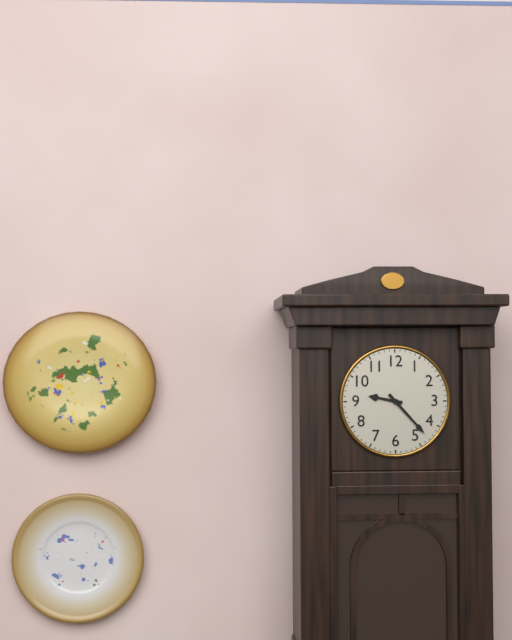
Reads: 9:23
